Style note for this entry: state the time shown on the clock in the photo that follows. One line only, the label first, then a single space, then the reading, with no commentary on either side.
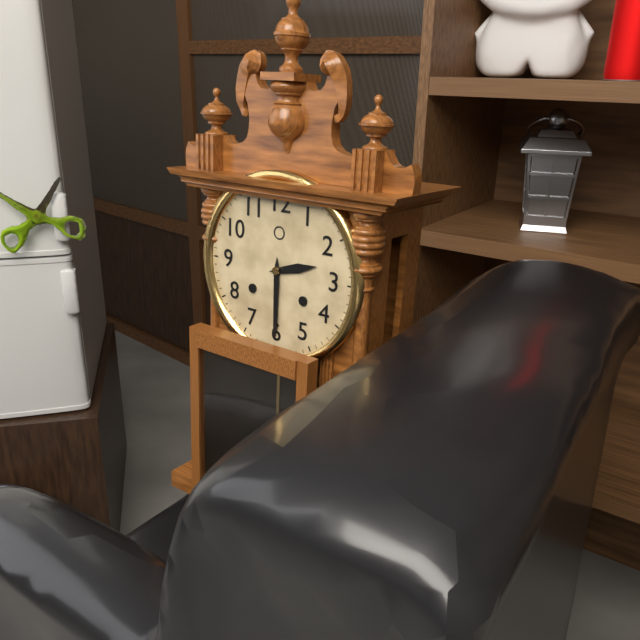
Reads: 2:30
